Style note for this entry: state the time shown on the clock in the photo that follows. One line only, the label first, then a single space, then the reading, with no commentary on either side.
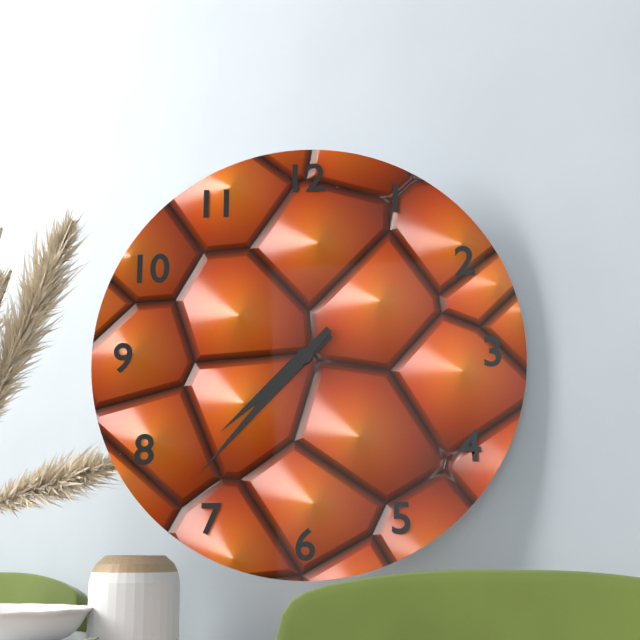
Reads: 7:37
